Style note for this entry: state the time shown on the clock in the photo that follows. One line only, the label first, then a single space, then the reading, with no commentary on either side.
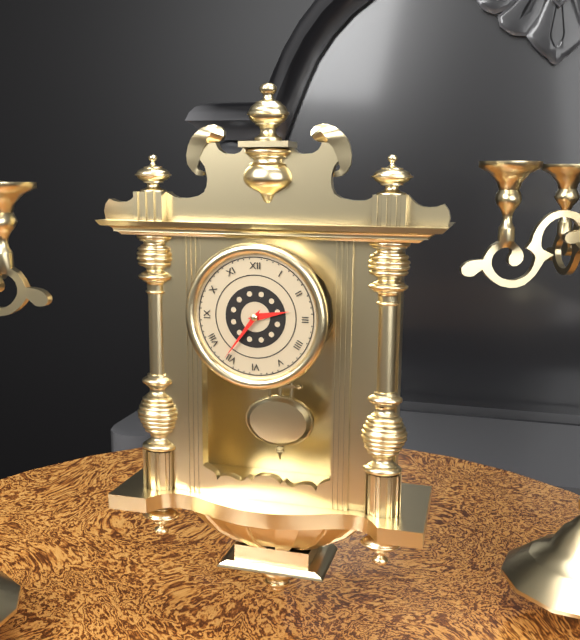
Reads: 2:36
